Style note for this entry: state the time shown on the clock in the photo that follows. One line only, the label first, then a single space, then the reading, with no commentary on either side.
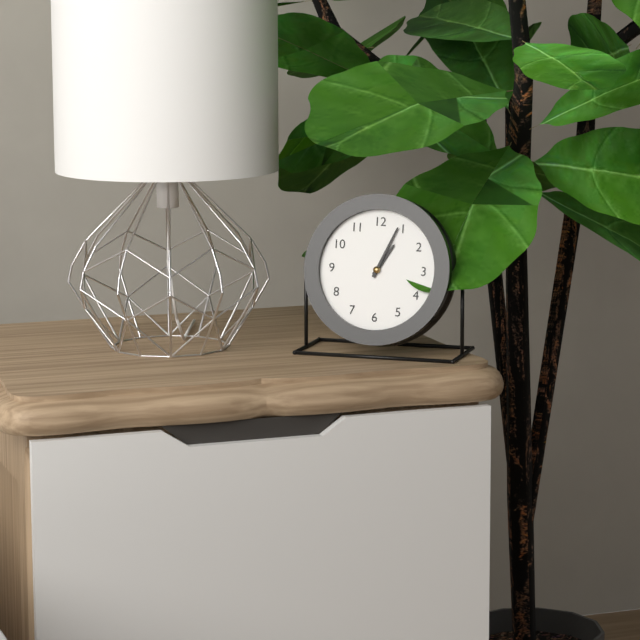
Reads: 1:04
